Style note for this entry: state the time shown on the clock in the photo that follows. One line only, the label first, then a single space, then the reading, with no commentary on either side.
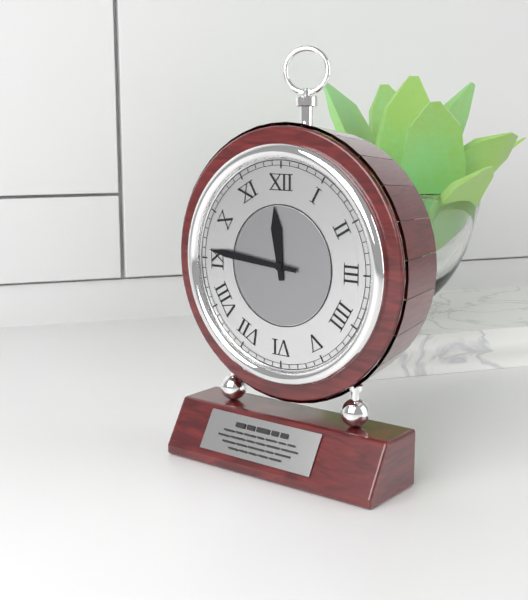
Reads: 11:46
